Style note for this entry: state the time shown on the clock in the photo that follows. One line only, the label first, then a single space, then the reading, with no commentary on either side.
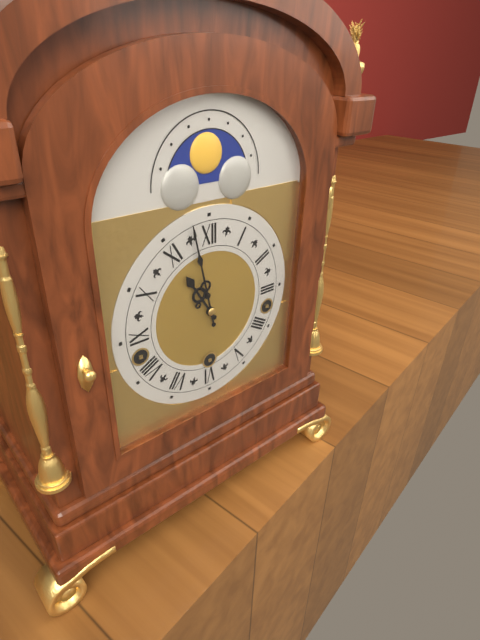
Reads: 10:58
